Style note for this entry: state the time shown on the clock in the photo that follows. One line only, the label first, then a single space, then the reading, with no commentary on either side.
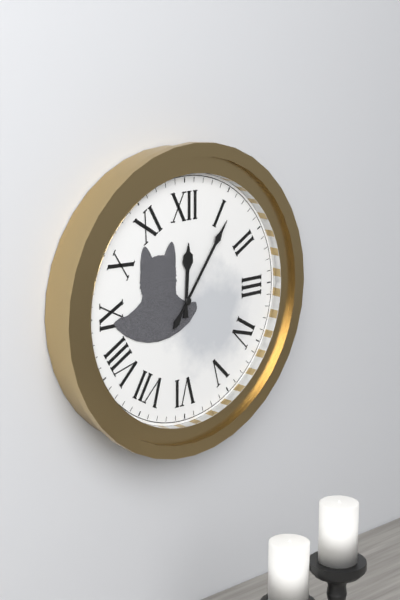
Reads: 12:06
